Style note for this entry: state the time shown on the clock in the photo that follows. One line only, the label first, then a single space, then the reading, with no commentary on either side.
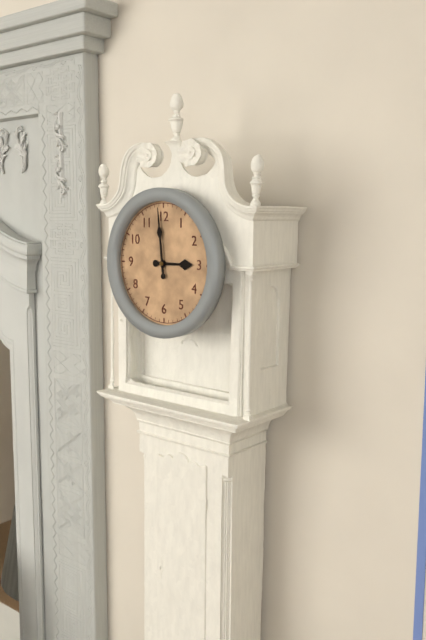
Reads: 2:59
